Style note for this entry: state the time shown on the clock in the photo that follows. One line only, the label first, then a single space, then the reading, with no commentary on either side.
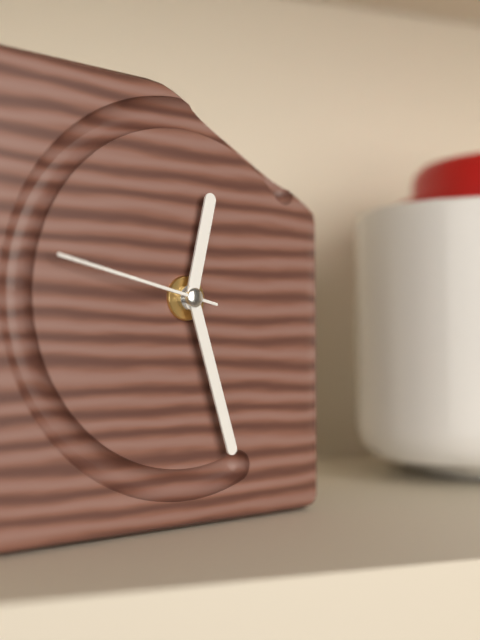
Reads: 12:27:47
